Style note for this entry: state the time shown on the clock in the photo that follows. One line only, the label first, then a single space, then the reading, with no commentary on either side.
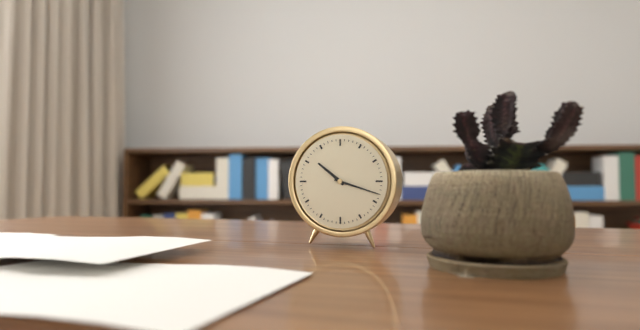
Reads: 10:18
